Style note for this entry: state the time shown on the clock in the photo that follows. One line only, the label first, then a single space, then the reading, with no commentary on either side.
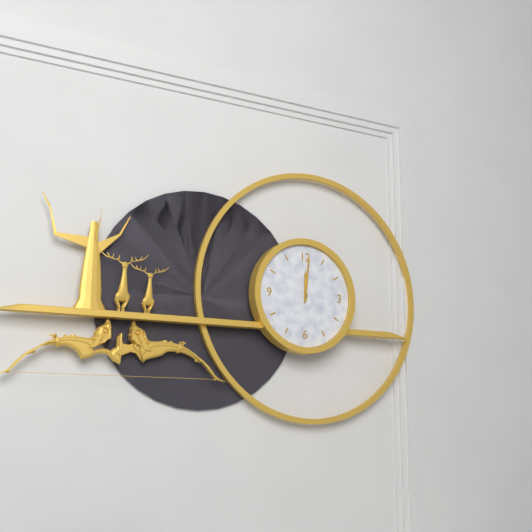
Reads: 12:01
